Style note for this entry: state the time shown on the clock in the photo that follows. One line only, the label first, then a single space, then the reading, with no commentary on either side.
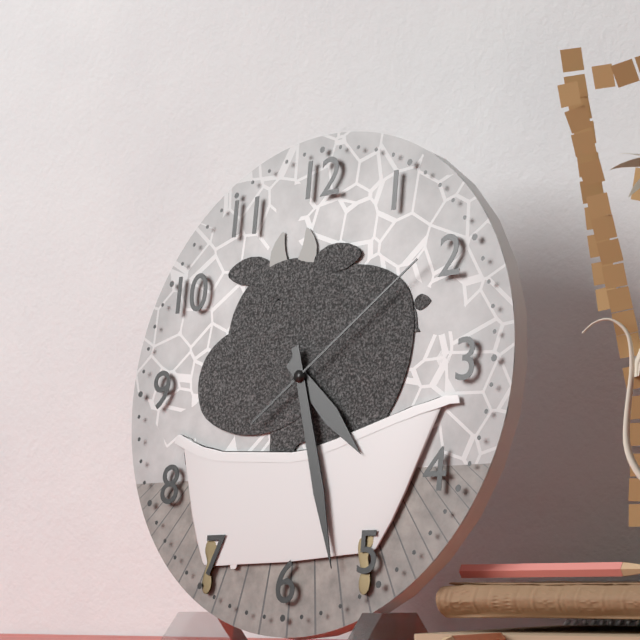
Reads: 4:27:09
